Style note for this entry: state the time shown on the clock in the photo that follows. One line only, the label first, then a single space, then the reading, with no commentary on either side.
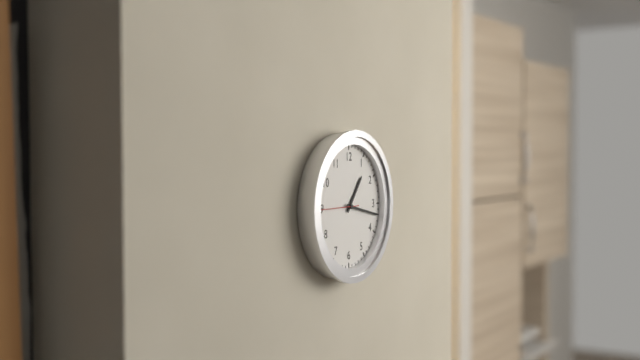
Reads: 1:17
